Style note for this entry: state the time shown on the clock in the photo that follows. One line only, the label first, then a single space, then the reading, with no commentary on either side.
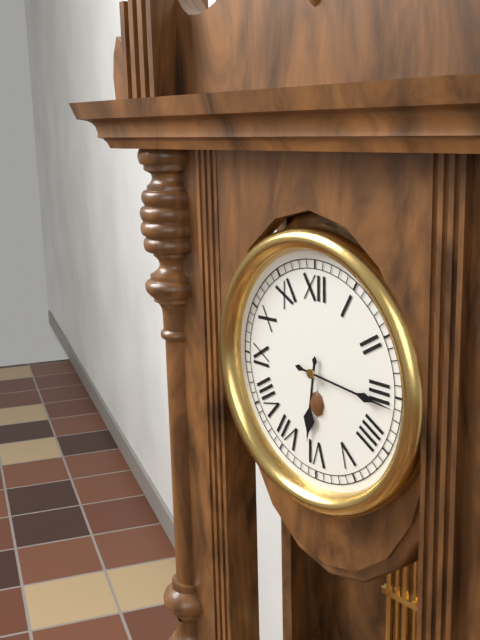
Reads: 6:16
